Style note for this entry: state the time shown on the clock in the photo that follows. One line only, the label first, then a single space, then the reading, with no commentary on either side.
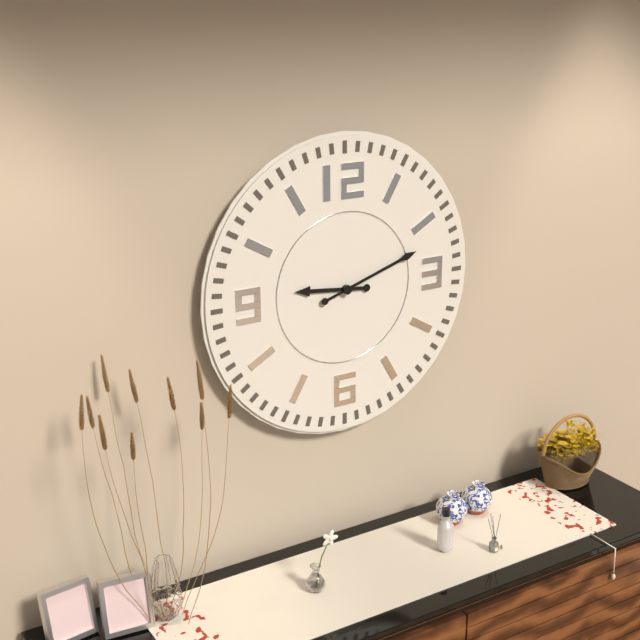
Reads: 9:12
